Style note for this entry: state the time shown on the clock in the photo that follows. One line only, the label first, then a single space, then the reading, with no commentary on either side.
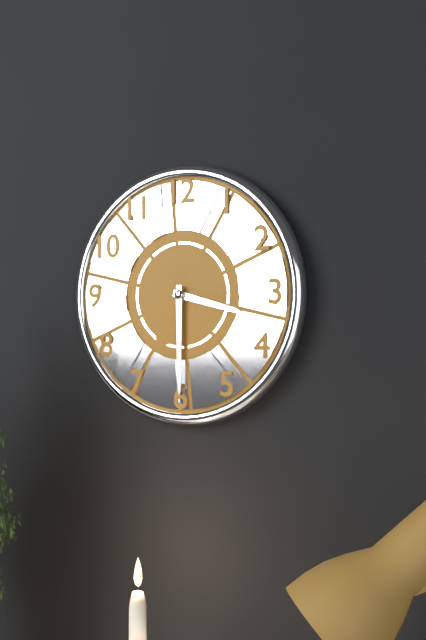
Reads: 3:30
